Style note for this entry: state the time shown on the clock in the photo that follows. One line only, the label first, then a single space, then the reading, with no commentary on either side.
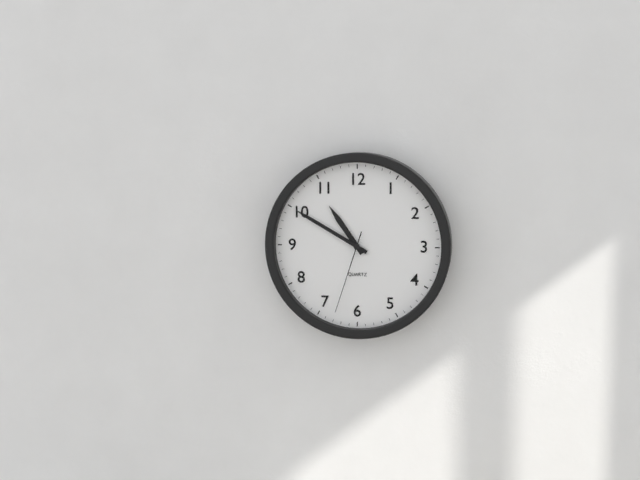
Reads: 10:50:33
